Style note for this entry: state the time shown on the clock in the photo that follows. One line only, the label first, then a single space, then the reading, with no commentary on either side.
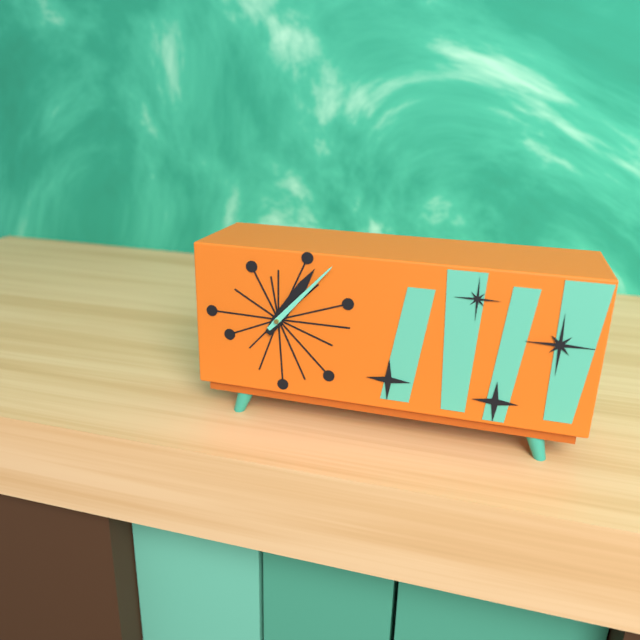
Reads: 1:07
